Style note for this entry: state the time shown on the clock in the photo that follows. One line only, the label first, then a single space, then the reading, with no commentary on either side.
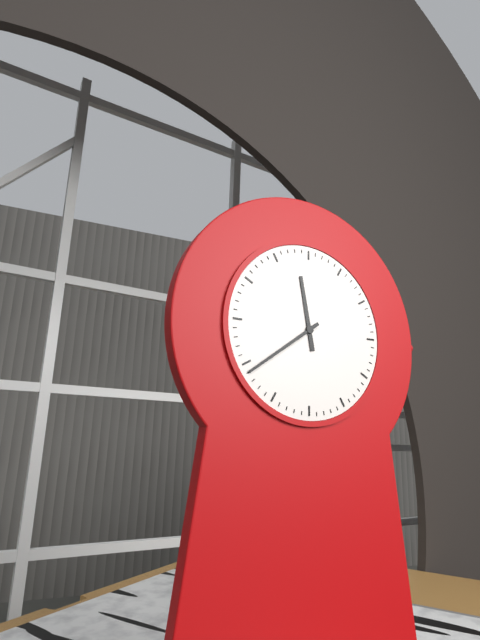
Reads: 11:39
